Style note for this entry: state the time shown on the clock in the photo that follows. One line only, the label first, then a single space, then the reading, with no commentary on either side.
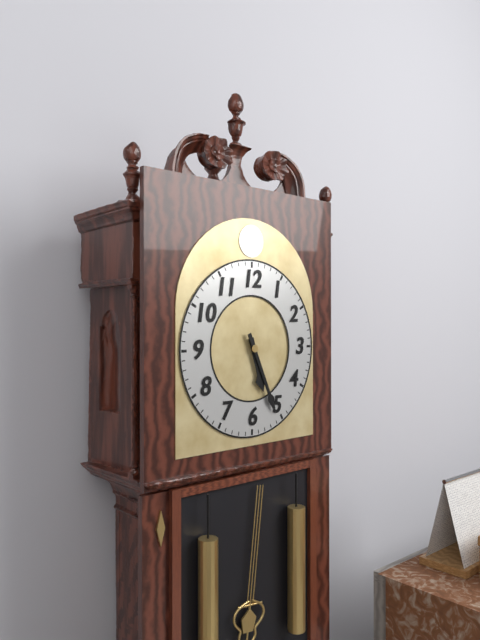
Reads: 5:26
